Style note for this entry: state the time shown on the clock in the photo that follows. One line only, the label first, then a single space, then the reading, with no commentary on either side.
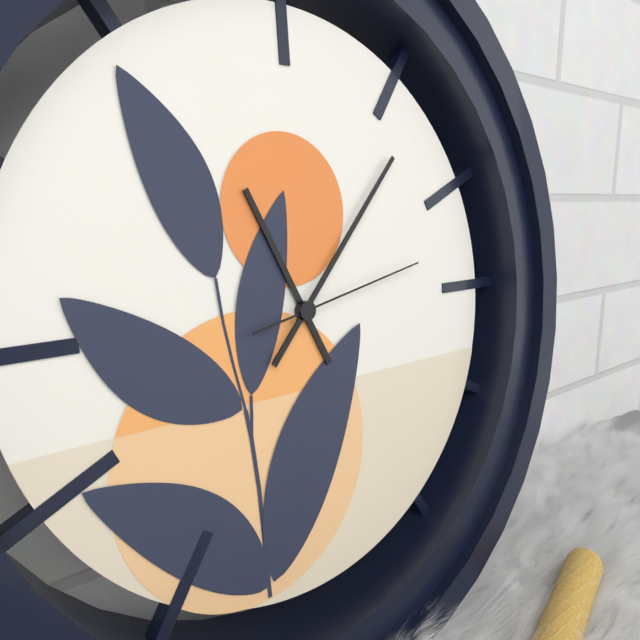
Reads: 11:07:13
